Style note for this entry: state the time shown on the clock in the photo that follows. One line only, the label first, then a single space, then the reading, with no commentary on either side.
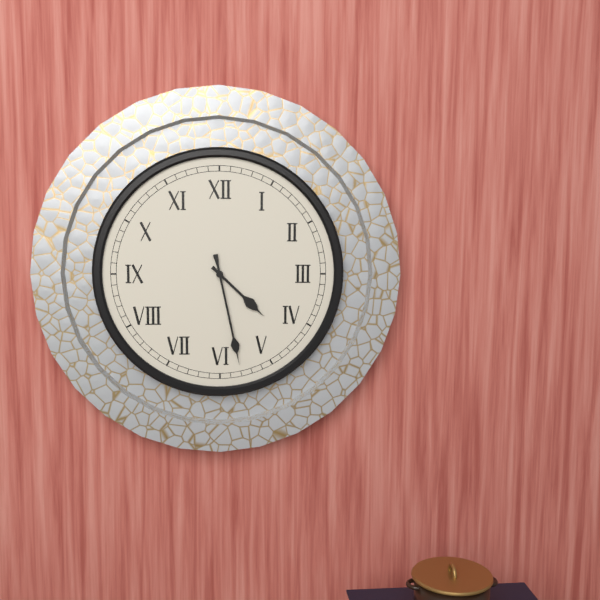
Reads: 4:28
